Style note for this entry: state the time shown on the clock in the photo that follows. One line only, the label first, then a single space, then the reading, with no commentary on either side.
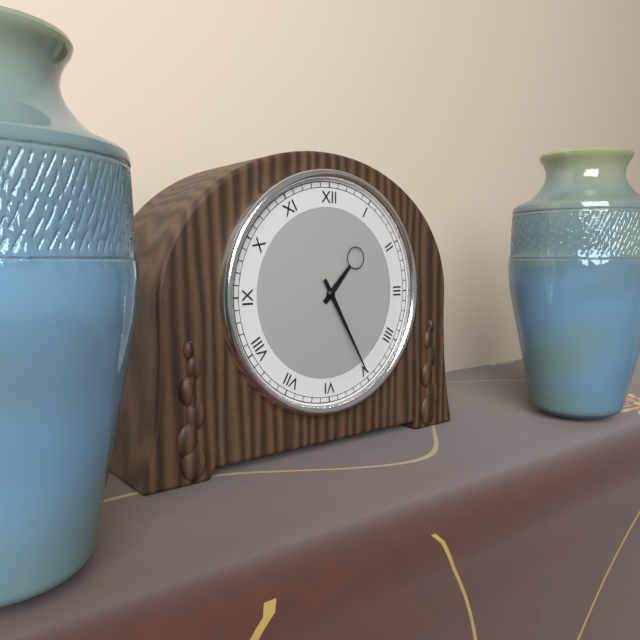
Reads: 1:25
